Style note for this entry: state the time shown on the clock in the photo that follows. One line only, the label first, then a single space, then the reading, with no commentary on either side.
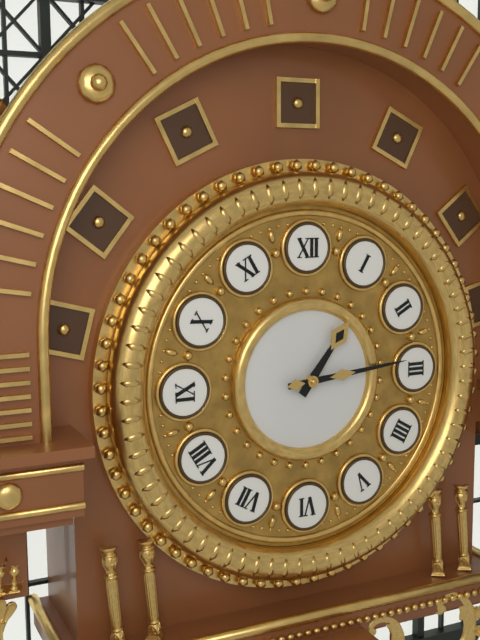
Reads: 1:14
